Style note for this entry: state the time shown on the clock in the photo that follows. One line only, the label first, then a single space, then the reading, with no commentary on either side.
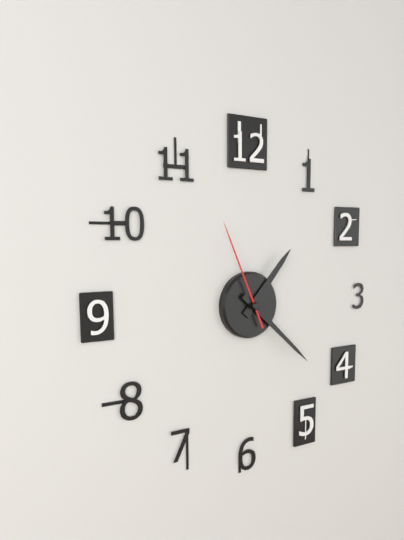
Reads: 1:22:56
